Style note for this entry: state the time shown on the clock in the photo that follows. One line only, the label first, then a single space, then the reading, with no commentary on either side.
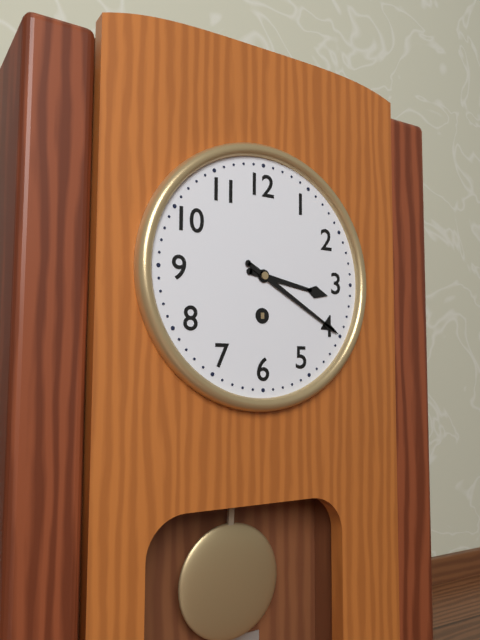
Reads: 3:20
